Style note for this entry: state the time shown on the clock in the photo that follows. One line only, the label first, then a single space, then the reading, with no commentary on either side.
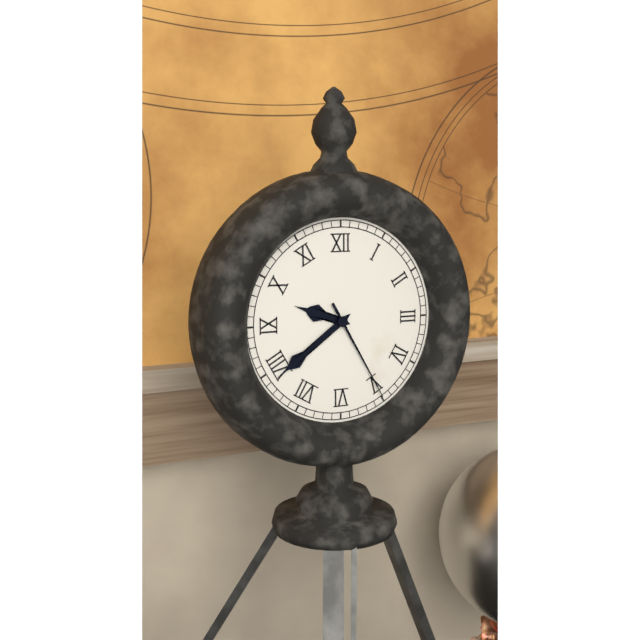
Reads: 9:39:25
